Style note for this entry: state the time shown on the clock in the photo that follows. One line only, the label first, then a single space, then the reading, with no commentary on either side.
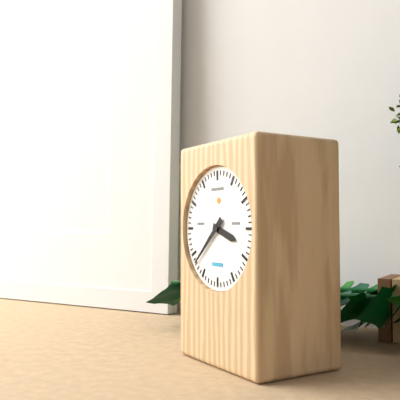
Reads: 3:38
